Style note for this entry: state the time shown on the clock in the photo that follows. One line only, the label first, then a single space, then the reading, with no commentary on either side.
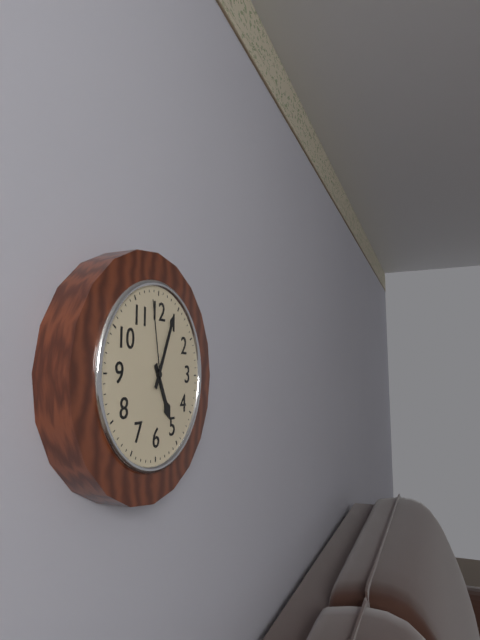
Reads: 5:04:58
